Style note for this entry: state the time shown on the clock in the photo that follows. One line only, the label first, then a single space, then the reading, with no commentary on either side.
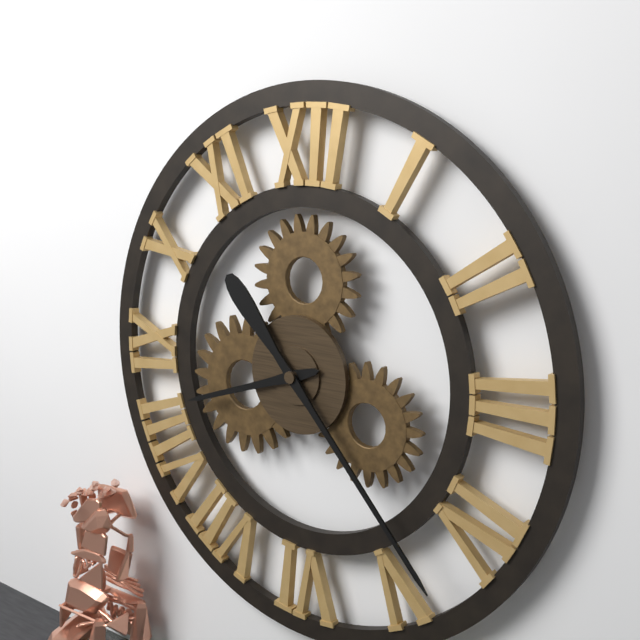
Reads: 8:23
